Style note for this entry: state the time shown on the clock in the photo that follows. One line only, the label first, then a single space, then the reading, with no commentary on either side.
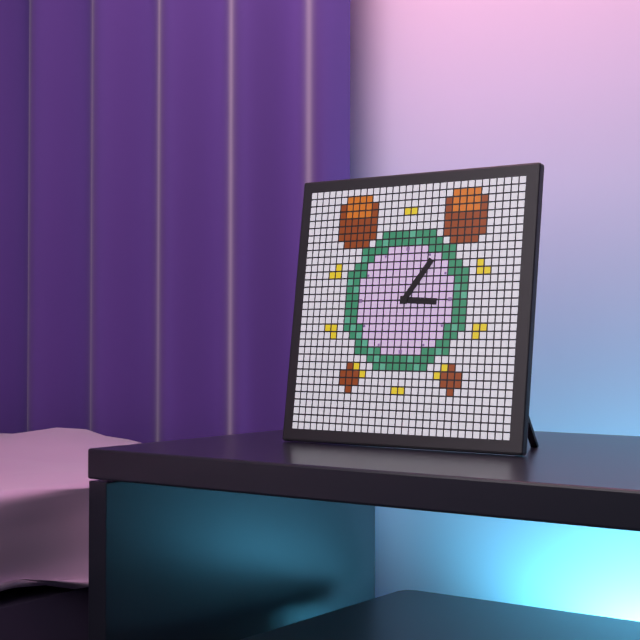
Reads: 3:06
